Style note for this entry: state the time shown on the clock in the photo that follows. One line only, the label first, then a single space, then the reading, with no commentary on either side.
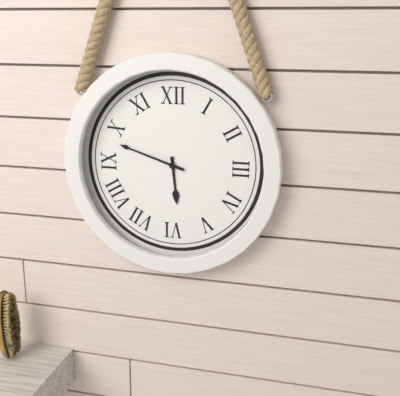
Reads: 5:48
